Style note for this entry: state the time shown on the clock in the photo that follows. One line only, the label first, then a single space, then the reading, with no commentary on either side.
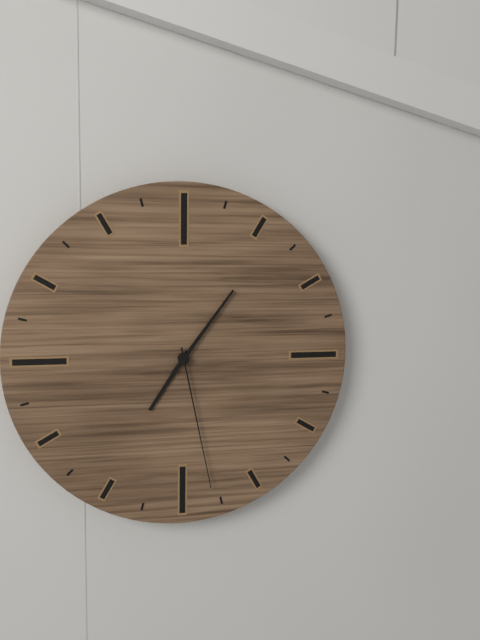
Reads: 7:06:28
